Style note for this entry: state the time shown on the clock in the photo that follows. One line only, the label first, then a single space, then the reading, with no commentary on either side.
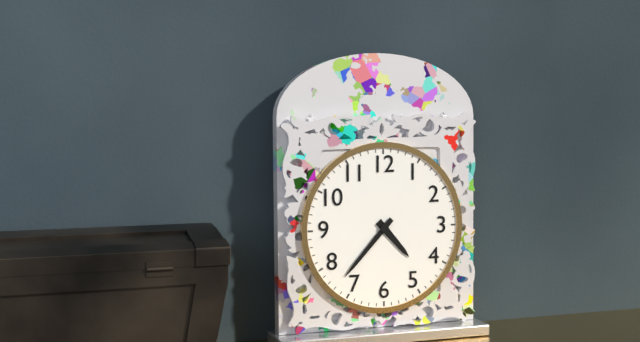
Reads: 4:37
